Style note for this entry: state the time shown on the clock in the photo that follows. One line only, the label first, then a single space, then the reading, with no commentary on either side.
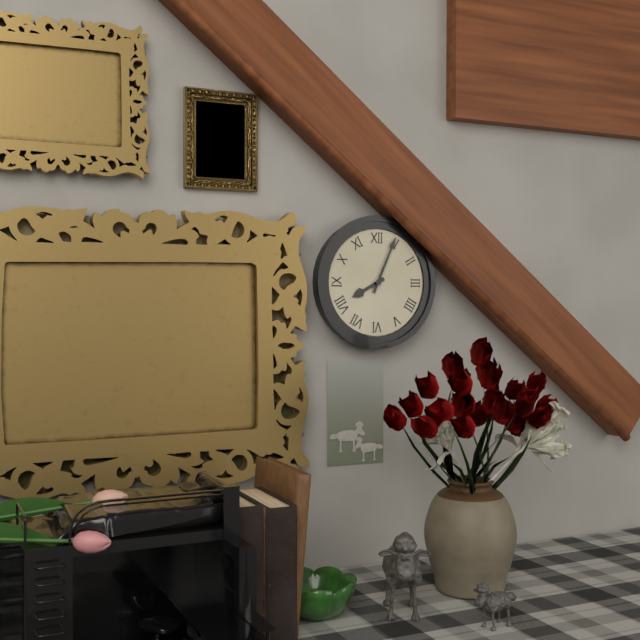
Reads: 8:04
